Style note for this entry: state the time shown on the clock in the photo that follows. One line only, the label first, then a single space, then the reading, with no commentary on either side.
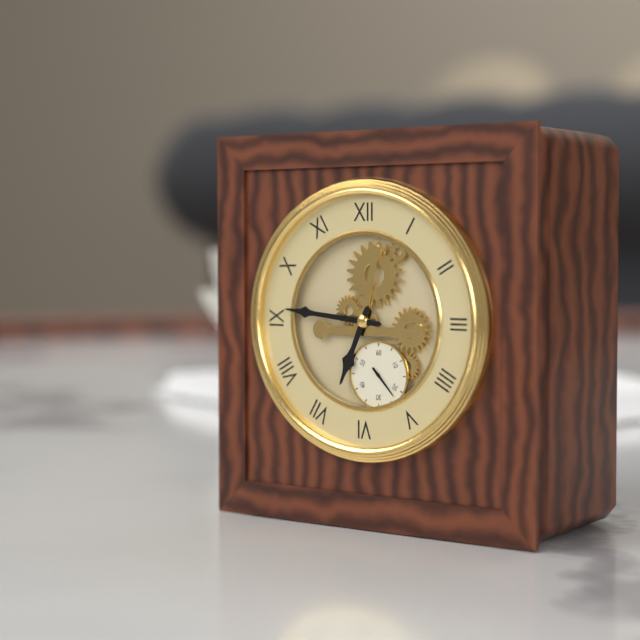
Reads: 6:46
